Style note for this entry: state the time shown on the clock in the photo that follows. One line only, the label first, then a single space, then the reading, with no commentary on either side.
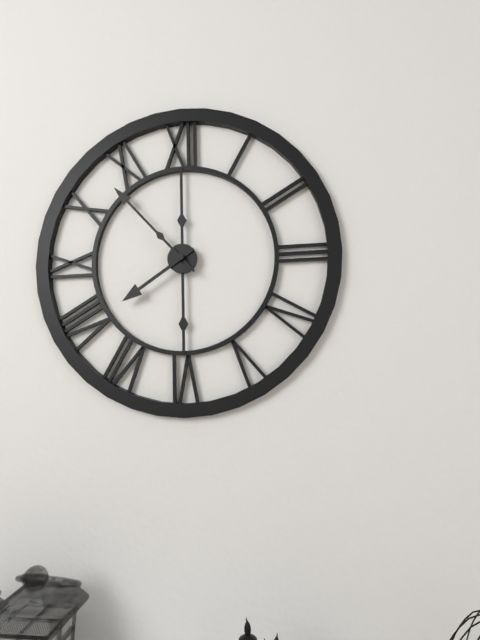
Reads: 7:53
